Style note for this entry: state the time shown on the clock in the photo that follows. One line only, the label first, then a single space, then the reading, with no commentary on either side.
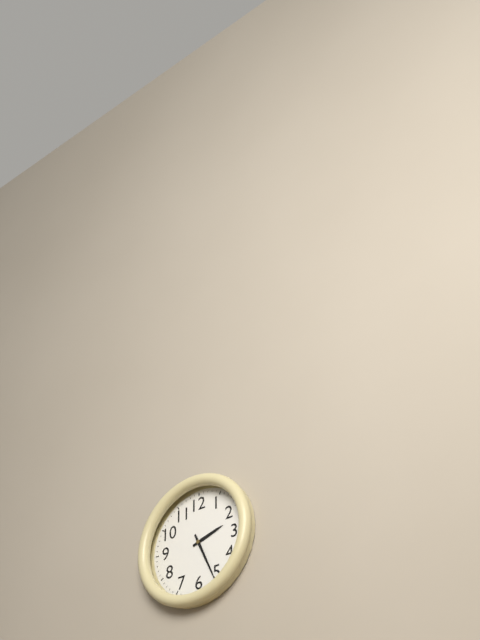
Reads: 2:26
